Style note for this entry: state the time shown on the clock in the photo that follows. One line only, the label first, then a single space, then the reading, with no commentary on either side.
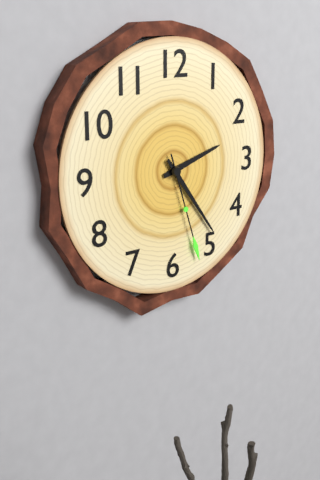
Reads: 2:24:27
